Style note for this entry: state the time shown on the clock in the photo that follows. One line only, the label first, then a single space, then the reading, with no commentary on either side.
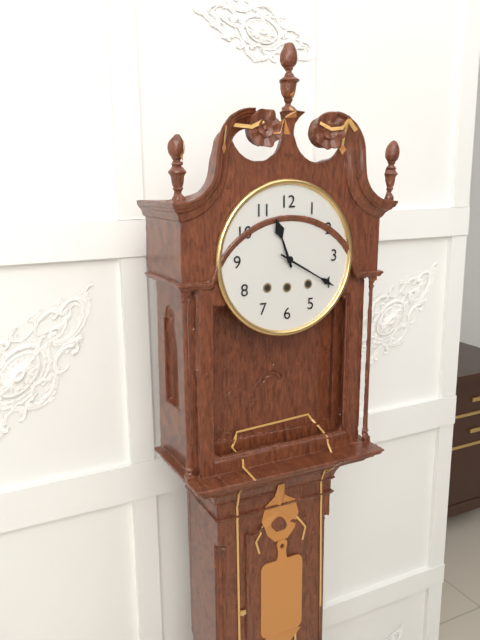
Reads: 11:20
